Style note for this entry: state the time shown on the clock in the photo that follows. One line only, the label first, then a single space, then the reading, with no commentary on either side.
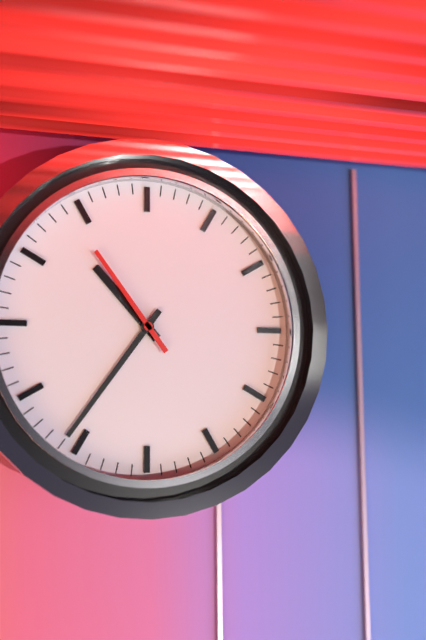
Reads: 10:36:54
